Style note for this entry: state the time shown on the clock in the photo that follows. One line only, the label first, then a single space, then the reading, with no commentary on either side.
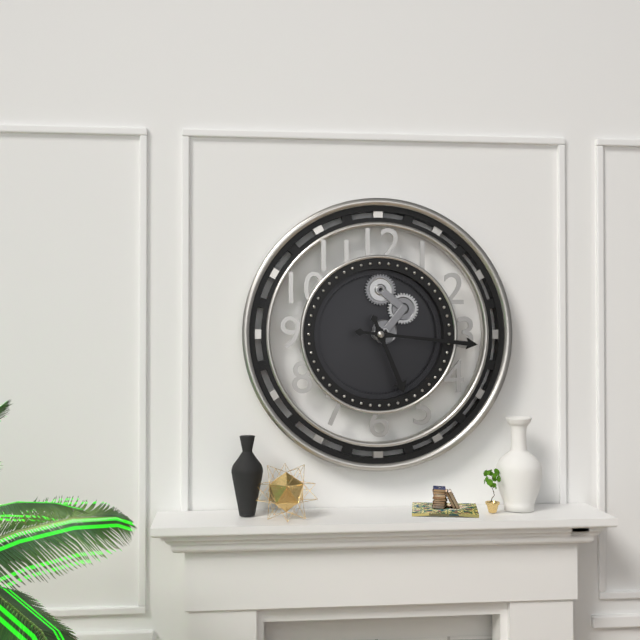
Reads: 5:16
